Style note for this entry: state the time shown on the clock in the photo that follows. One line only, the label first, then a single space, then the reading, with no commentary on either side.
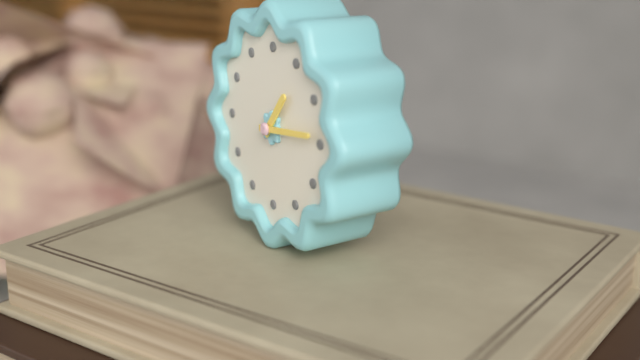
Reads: 1:14
